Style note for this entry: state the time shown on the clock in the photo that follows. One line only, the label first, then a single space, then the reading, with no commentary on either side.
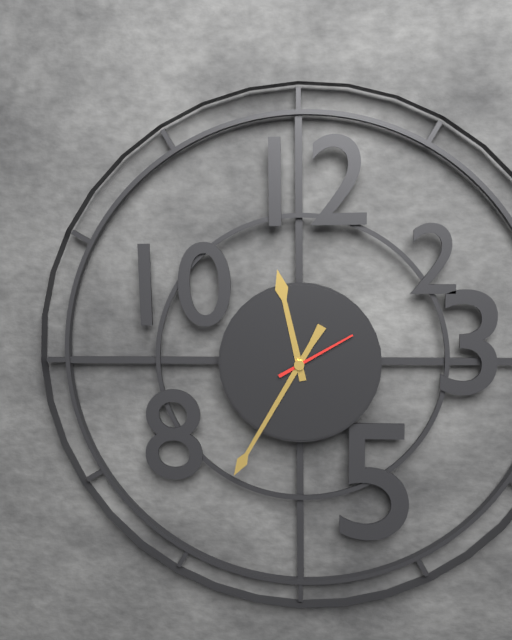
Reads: 11:35:10
